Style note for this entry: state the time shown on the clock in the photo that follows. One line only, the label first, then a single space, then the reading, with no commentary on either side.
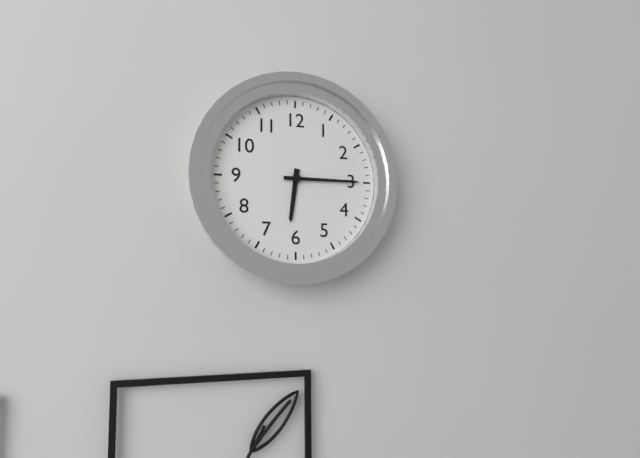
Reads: 6:15
